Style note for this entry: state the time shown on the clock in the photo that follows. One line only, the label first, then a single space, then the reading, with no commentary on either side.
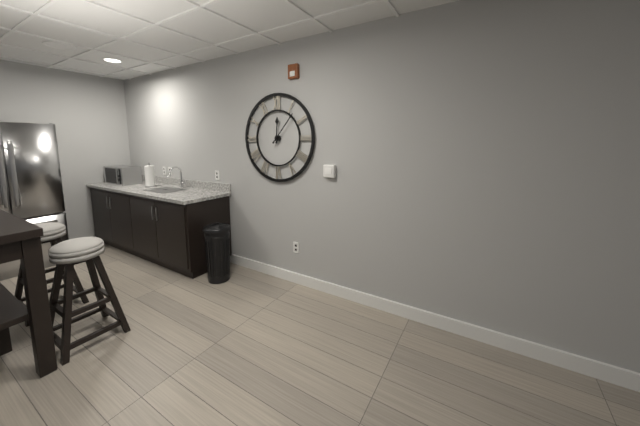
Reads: 12:07
